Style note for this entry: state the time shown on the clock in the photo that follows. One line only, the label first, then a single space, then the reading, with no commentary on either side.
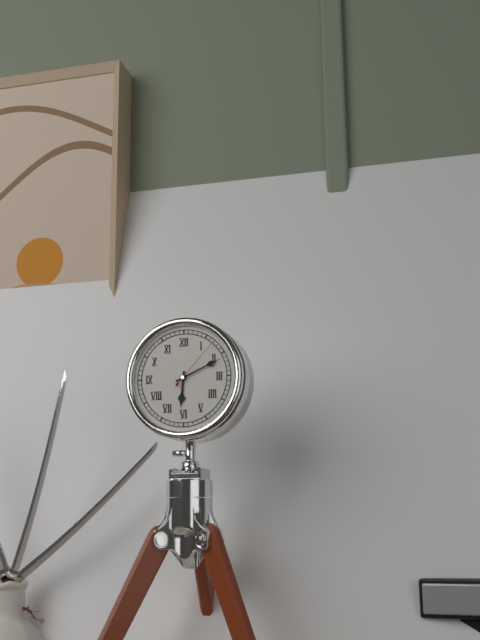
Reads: 6:11:07
